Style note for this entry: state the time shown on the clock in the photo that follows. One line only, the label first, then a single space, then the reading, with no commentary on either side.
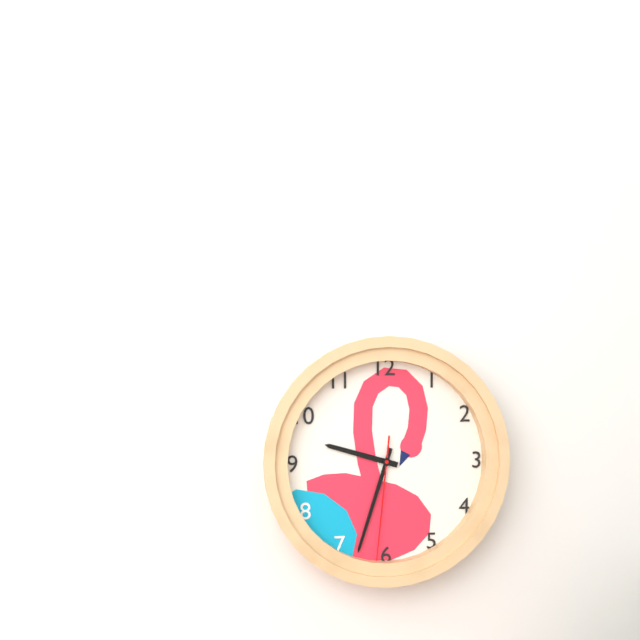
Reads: 9:33:31
